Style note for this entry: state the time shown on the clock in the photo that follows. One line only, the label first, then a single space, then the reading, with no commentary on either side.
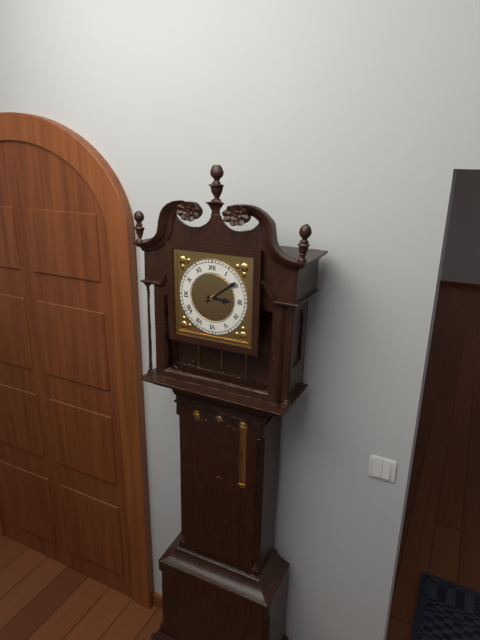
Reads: 3:09
